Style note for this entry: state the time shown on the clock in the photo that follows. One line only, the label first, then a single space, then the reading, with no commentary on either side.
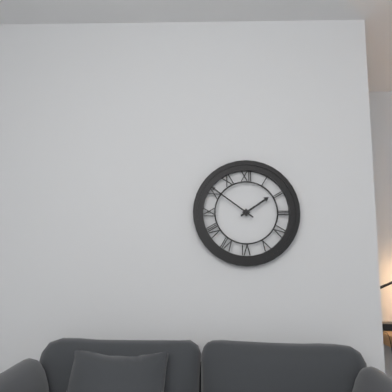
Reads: 1:51
